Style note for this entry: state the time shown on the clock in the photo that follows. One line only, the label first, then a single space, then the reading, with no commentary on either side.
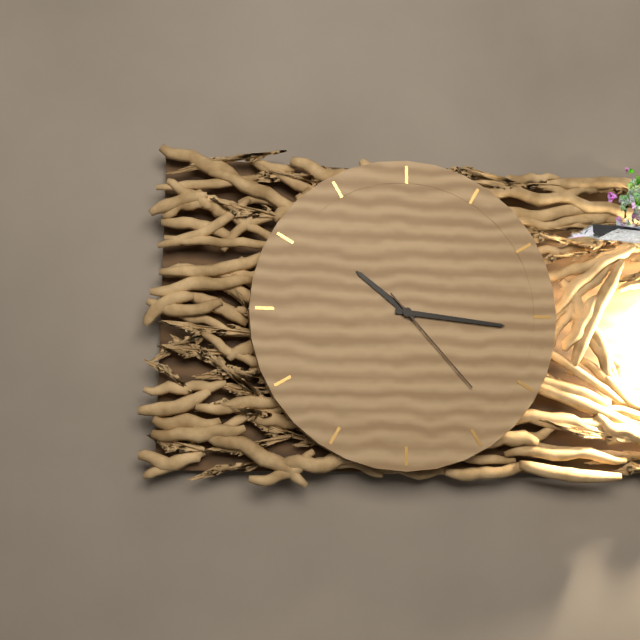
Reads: 10:16:23
